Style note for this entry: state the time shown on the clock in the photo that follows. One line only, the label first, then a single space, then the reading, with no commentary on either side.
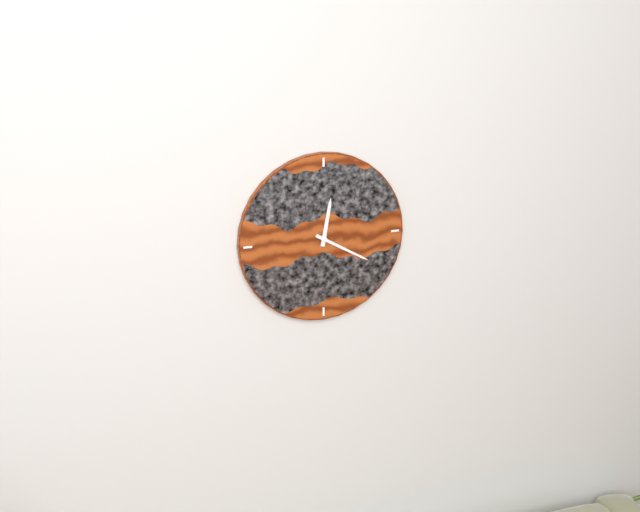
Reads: 12:20
